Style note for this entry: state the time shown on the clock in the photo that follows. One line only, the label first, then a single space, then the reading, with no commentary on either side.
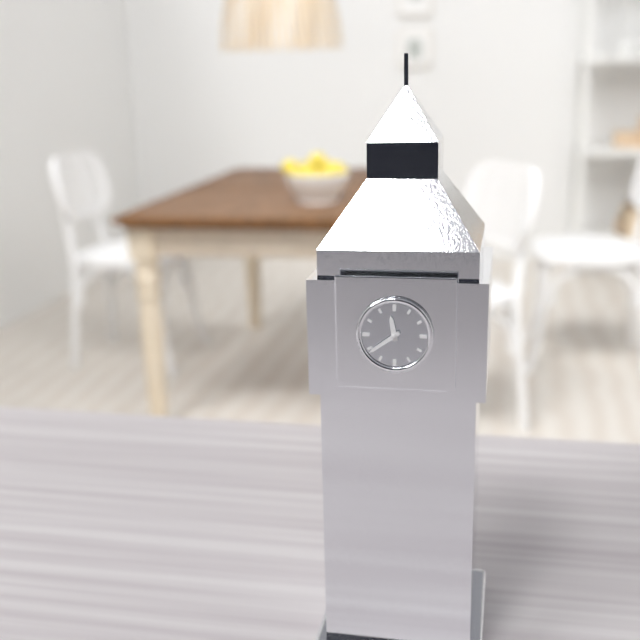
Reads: 11:39
